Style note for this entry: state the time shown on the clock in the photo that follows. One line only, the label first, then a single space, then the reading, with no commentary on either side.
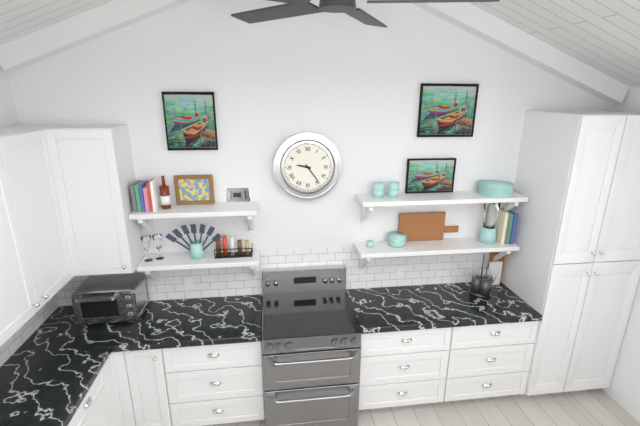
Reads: 9:24
